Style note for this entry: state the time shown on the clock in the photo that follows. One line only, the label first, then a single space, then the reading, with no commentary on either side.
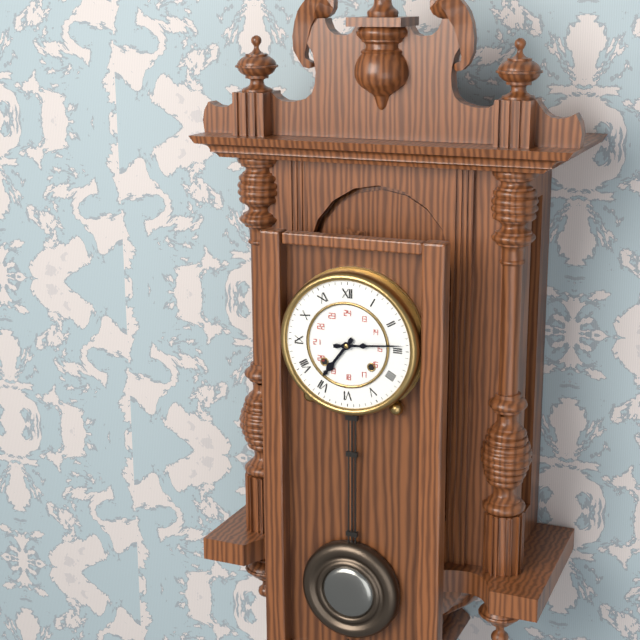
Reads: 7:14
